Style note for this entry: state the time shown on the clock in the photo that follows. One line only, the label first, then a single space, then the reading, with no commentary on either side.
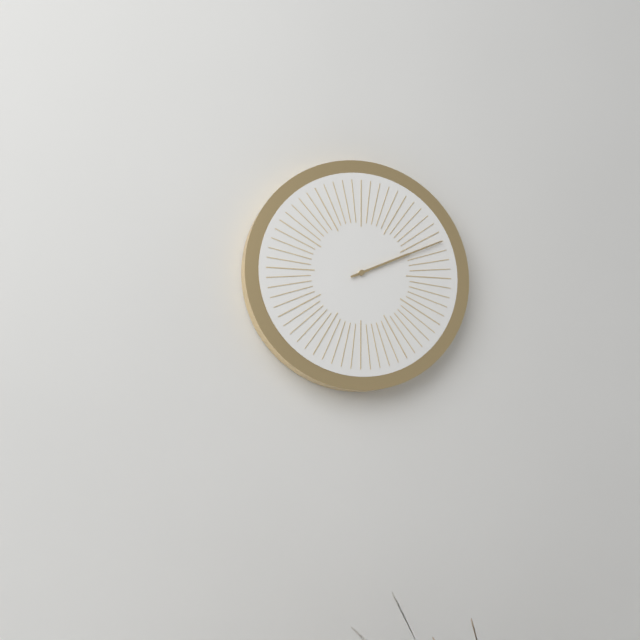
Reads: 2:11
